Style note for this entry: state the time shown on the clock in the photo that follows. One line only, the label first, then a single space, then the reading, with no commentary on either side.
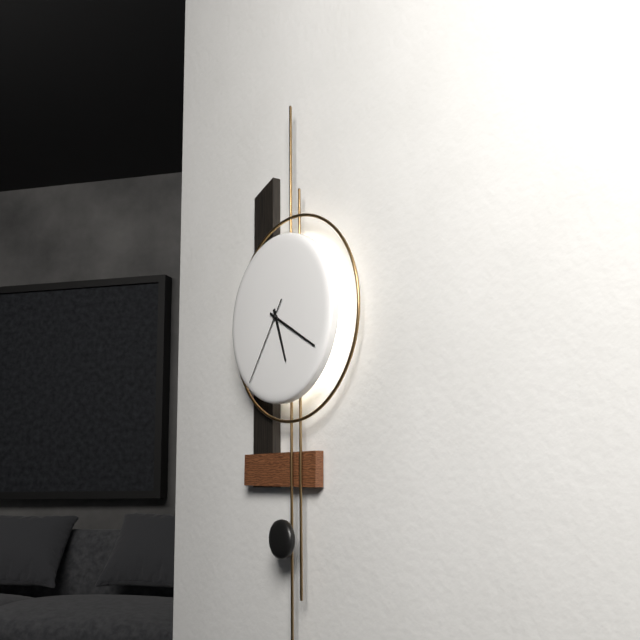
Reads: 5:20:36
